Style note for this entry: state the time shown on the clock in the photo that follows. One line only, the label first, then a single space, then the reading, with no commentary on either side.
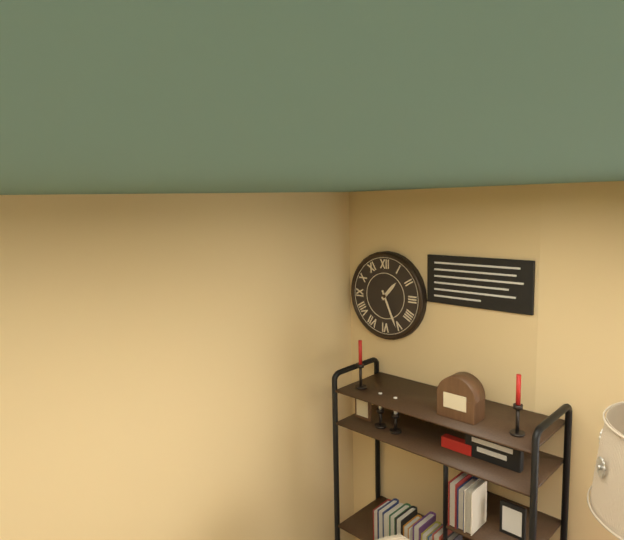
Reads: 1:26
